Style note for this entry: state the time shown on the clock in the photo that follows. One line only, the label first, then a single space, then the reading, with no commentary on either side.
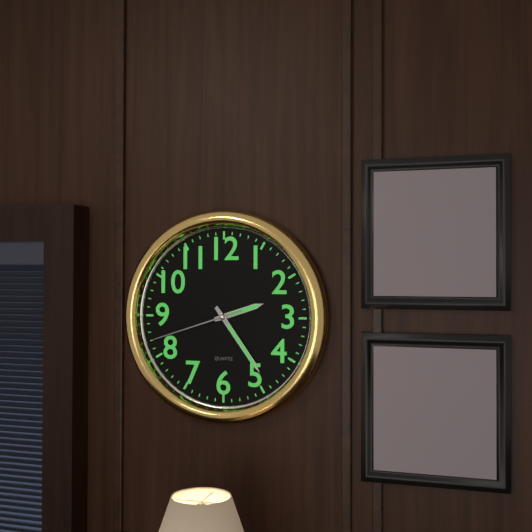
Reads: 2:24:42
